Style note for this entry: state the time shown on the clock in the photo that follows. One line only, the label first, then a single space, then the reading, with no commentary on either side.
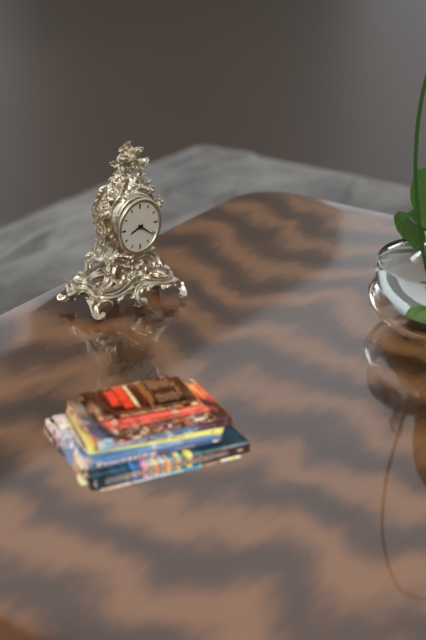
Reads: 8:21
